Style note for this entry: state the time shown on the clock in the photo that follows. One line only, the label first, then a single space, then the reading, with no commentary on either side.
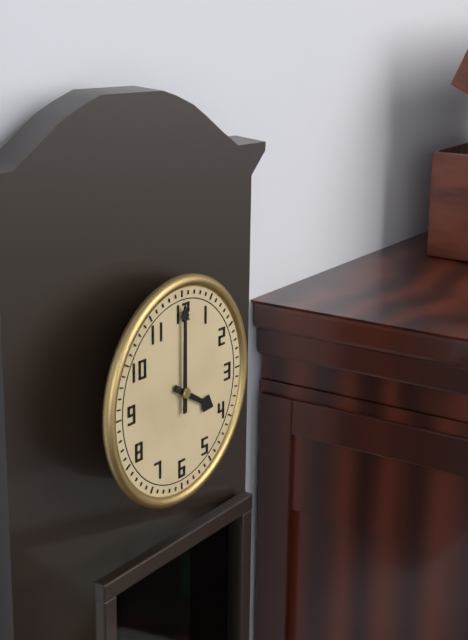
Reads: 4:00
